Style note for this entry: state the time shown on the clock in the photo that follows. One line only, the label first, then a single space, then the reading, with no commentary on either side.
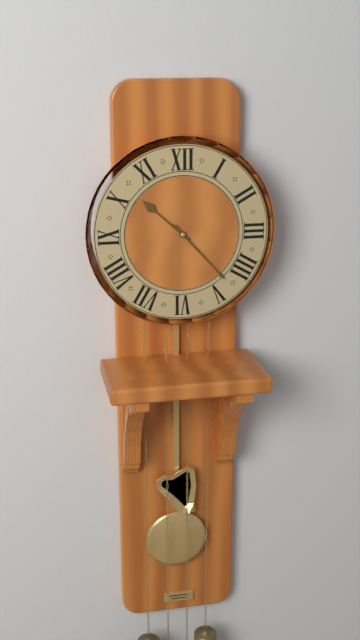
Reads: 10:23
